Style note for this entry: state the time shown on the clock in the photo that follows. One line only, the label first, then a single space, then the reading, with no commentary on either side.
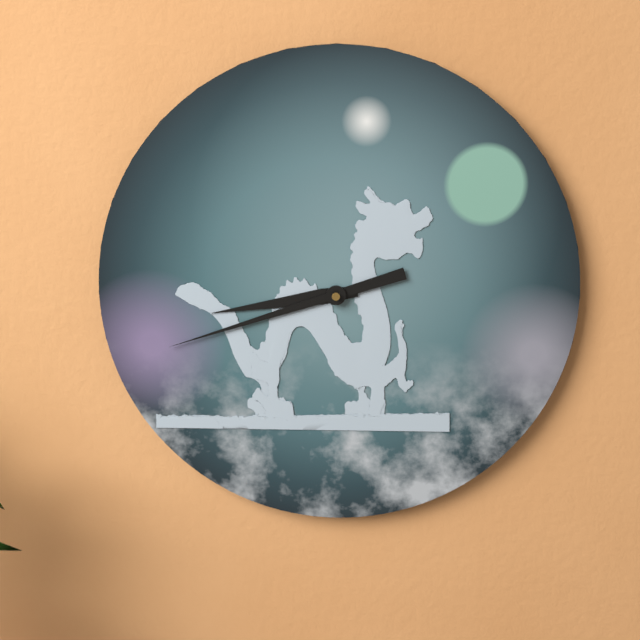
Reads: 8:42
